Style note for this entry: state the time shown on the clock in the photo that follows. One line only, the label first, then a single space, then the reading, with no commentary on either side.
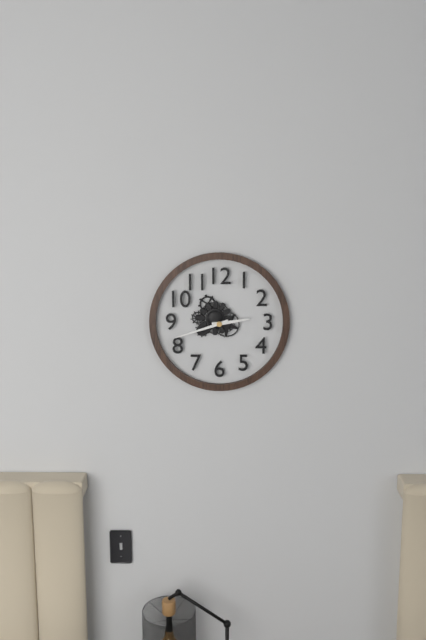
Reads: 2:42
